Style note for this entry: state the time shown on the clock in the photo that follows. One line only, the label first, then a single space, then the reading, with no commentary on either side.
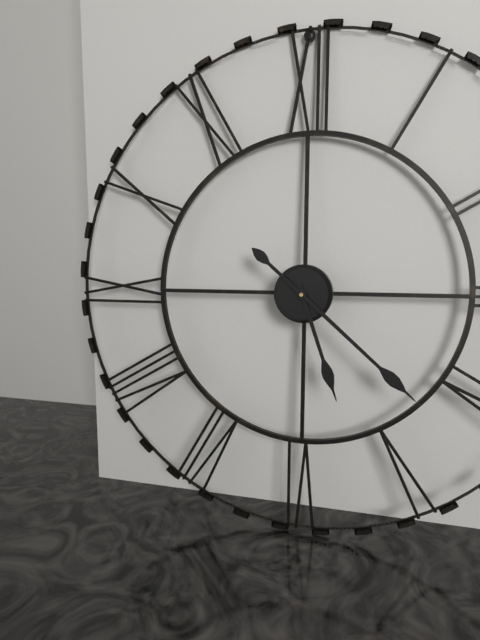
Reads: 5:22
